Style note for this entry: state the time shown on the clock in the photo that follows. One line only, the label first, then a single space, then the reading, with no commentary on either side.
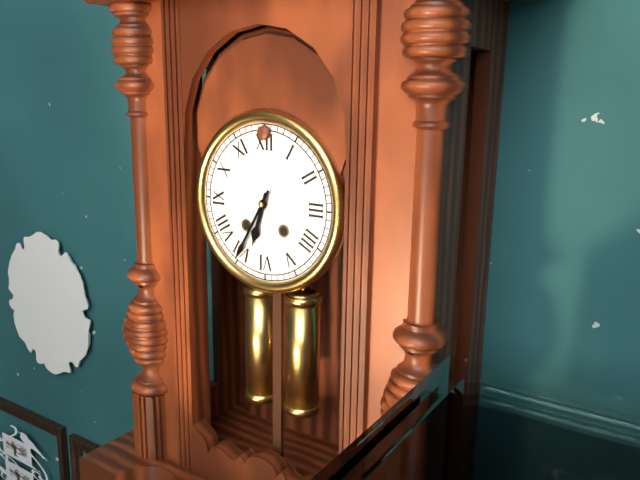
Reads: 6:35
